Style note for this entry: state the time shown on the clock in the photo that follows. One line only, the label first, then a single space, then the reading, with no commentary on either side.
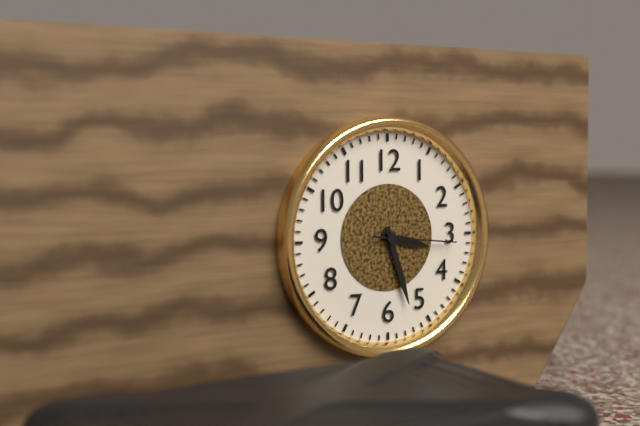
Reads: 3:27:16
